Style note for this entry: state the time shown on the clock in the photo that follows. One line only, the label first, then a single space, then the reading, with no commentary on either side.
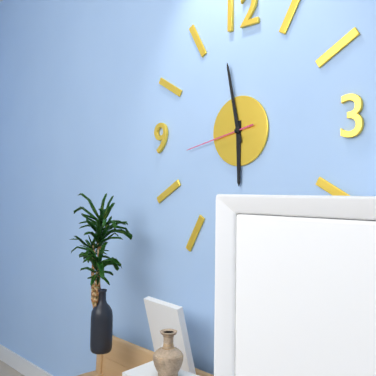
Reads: 5:58:43
